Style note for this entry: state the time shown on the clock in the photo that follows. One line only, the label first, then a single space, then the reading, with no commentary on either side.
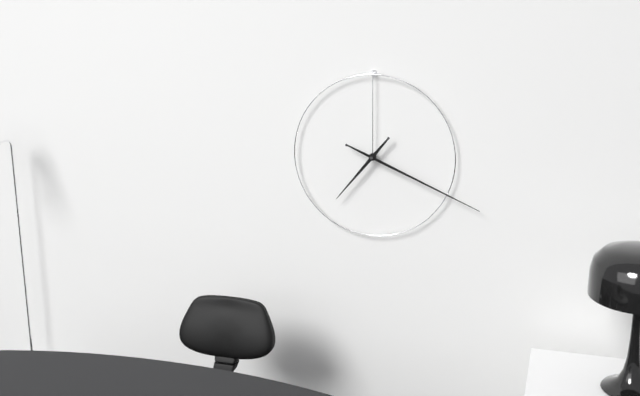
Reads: 7:19
